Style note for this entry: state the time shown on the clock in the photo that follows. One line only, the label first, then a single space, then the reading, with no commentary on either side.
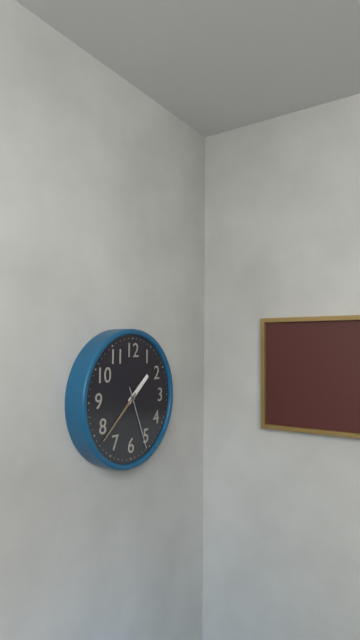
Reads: 1:38:26
